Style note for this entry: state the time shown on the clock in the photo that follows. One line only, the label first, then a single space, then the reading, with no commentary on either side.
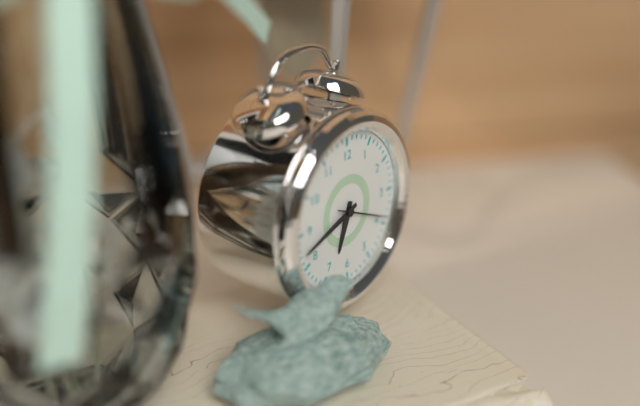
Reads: 6:42:19
